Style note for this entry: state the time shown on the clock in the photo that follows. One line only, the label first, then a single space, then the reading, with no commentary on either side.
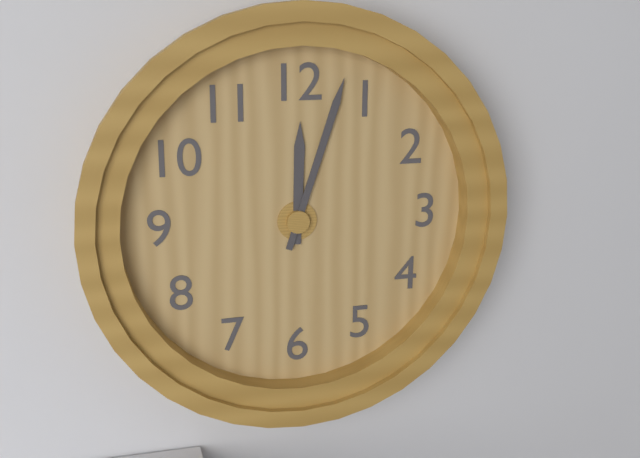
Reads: 12:03
